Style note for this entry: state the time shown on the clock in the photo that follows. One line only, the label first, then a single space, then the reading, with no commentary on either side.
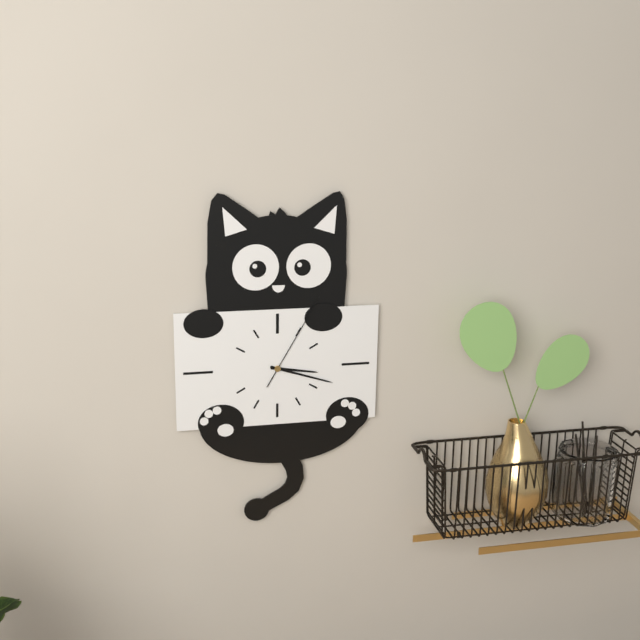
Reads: 3:18:05
